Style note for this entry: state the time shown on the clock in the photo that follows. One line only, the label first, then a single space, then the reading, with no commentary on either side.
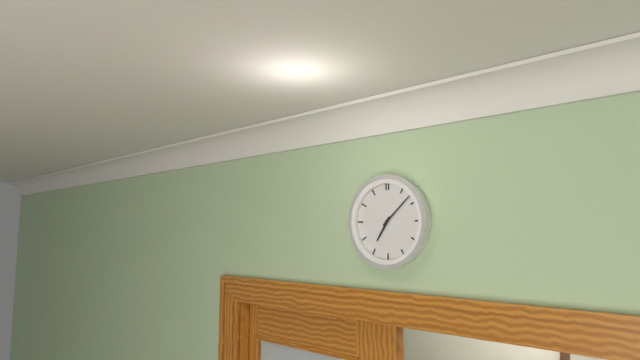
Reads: 7:08
